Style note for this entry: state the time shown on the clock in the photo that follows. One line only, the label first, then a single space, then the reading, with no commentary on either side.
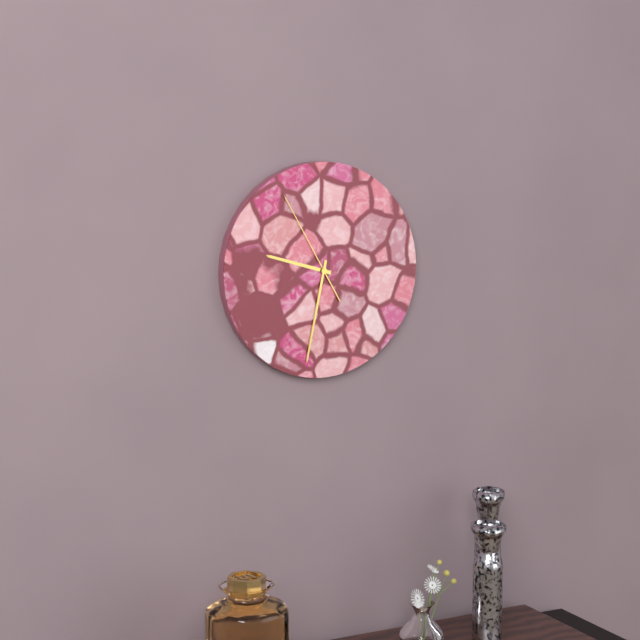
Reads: 9:32:55
